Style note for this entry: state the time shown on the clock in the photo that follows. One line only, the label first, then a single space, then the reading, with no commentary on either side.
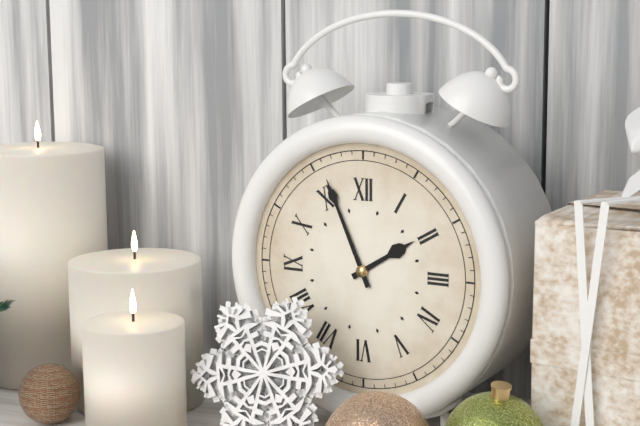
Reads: 1:56
